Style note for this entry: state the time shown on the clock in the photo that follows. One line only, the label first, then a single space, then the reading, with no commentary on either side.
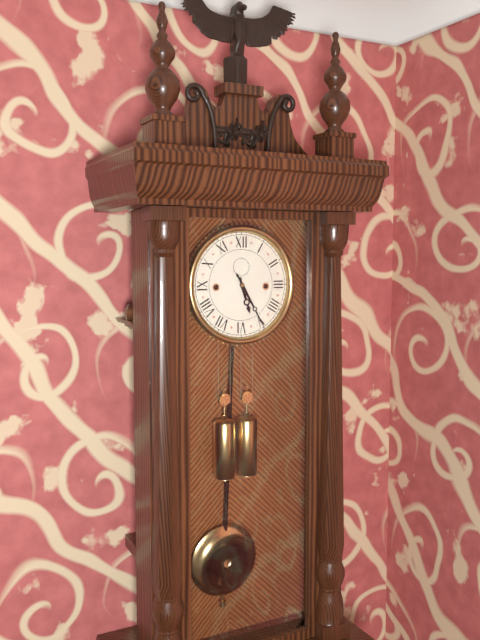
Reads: 5:25
